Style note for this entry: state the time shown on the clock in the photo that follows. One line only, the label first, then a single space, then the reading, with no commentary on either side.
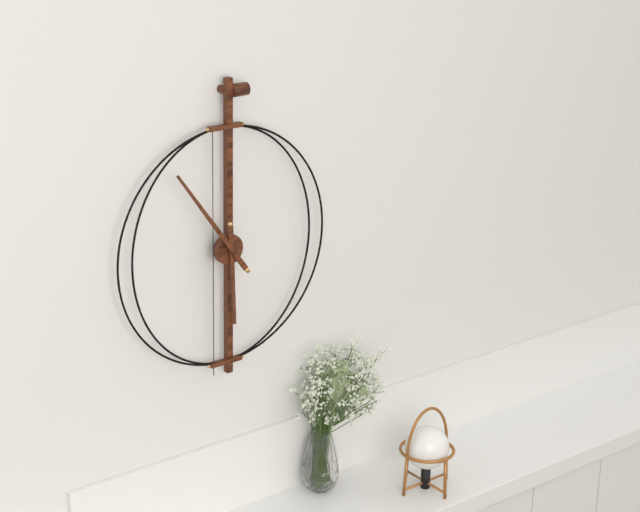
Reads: 5:54
